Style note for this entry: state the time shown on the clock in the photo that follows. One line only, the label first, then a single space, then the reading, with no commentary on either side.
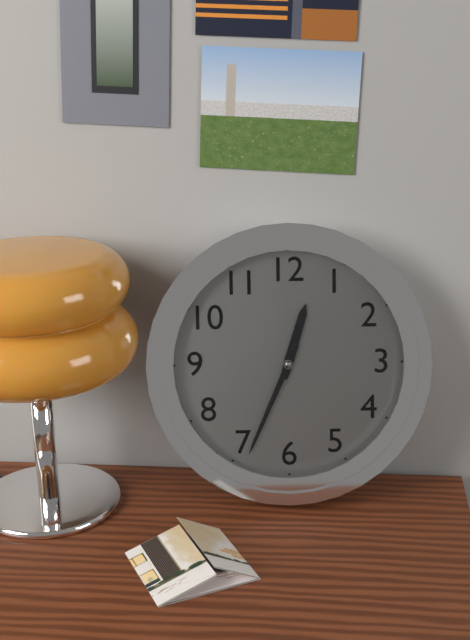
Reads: 12:34
